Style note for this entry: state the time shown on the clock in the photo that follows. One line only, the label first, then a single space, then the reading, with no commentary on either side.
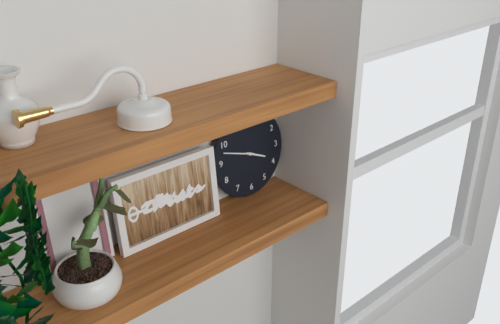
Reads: 3:48
